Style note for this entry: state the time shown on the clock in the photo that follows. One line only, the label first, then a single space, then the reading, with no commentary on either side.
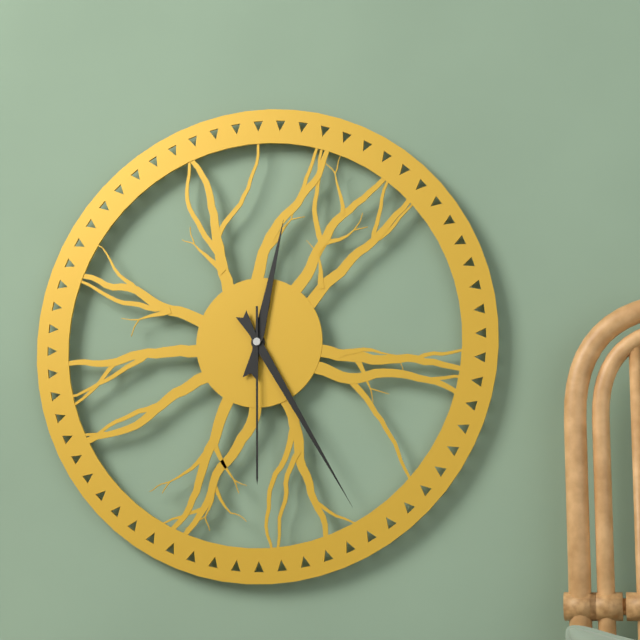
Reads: 12:25:30
